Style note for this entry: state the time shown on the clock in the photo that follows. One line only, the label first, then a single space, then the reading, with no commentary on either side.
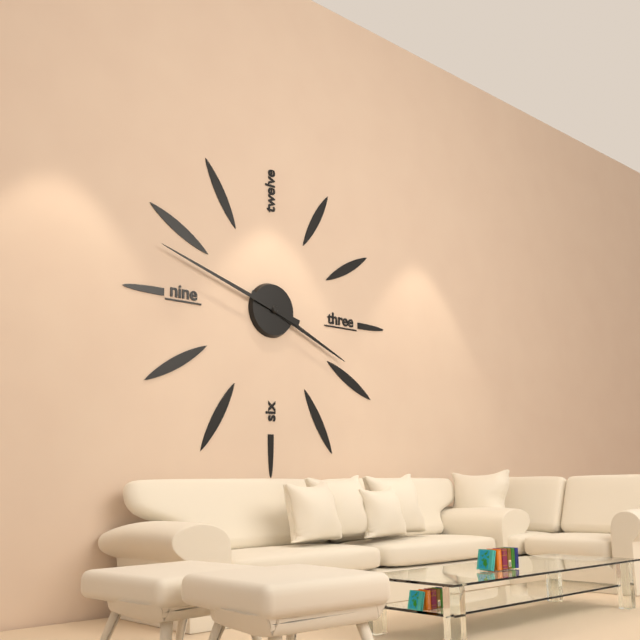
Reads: 3:48
